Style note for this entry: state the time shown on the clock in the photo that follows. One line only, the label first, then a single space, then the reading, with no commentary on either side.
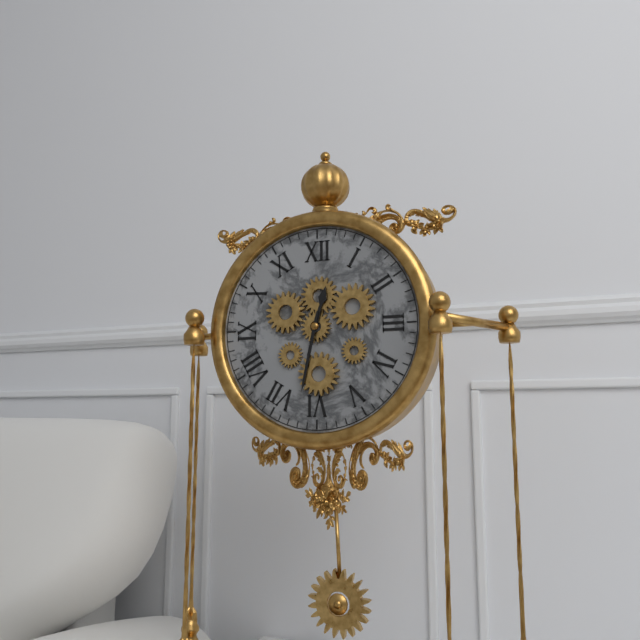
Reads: 12:32
